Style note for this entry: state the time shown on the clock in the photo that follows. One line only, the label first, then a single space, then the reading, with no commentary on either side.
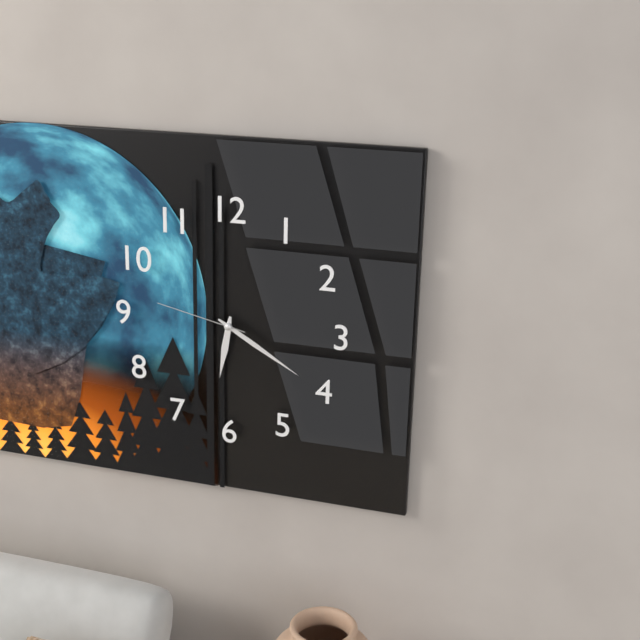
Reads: 6:20:47
